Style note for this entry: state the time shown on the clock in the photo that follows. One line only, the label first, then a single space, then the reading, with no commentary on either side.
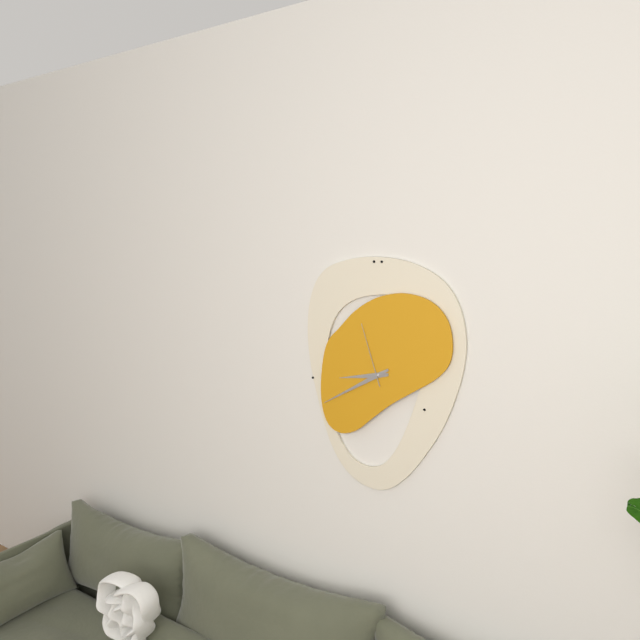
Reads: 8:40:57
